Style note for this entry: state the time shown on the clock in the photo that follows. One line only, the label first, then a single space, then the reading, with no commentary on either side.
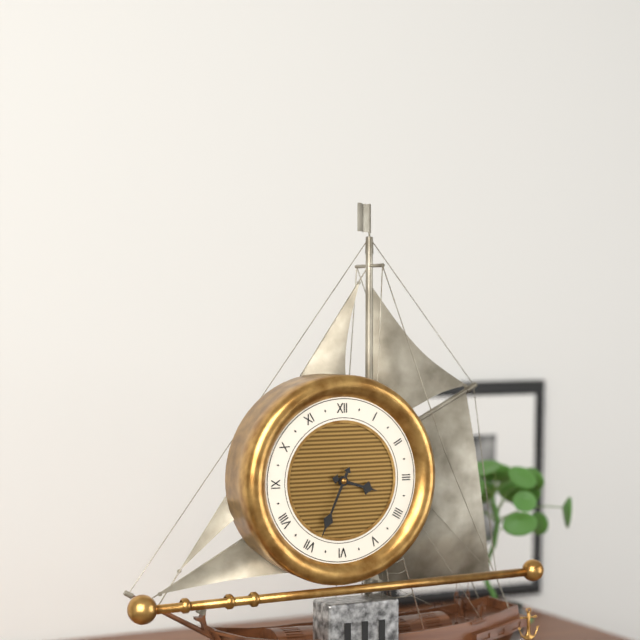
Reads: 3:34
